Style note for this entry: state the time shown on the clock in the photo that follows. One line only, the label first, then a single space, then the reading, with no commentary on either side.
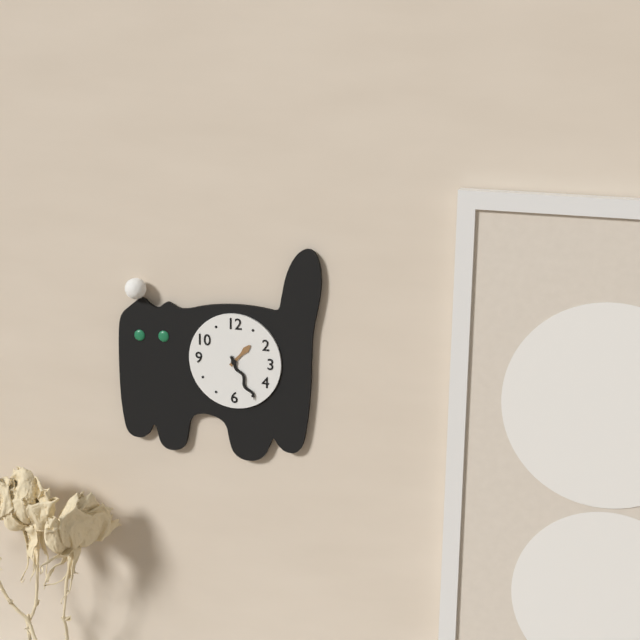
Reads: 1:25
